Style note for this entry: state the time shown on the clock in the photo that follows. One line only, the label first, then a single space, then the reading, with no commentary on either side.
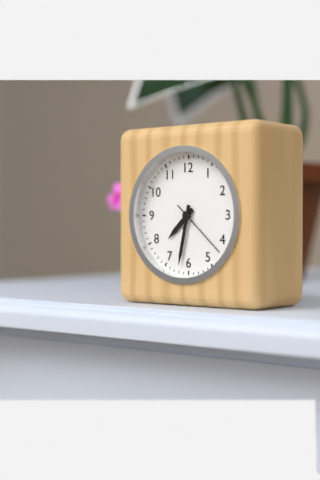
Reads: 7:32:22
